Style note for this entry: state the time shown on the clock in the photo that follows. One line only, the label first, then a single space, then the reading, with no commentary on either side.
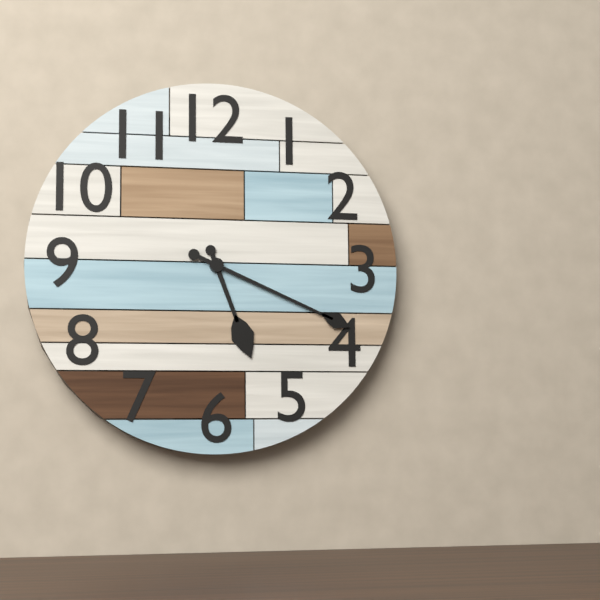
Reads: 5:19
